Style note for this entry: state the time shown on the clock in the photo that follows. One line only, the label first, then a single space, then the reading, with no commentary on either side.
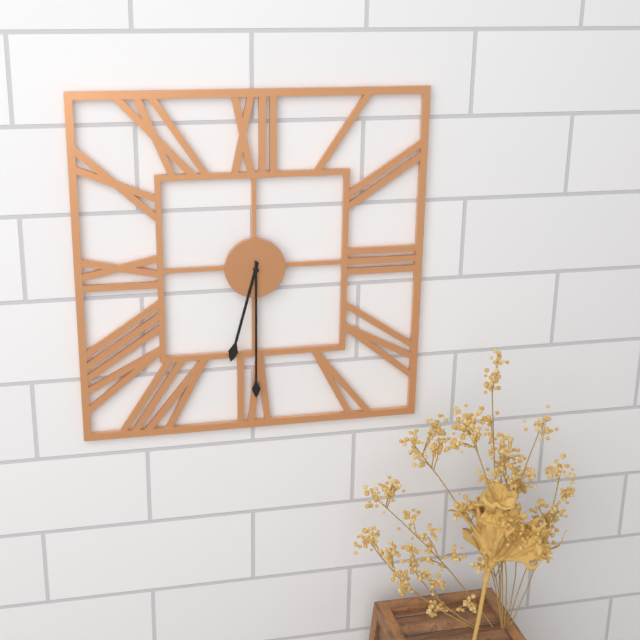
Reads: 6:30
